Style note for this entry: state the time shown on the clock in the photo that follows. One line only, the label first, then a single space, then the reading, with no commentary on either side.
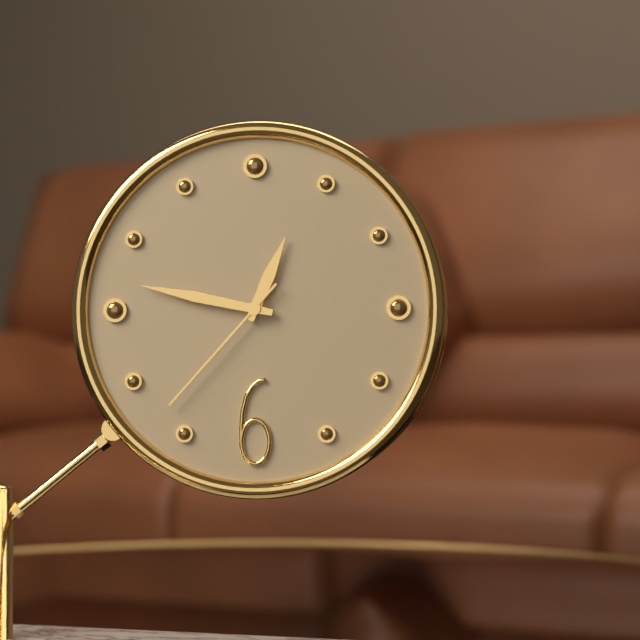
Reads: 12:47:37
